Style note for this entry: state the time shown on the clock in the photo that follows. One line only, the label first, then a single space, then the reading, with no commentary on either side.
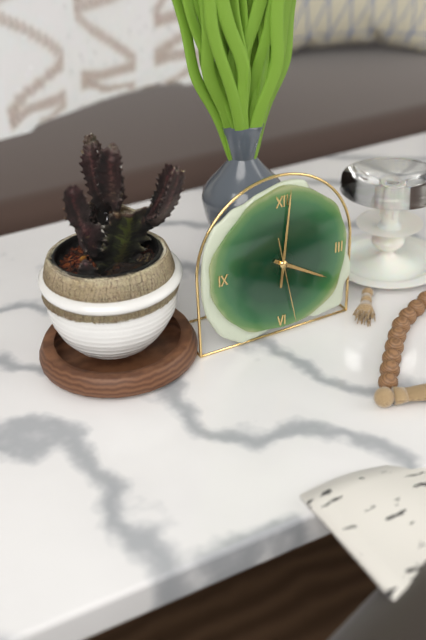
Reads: 4:01:28
